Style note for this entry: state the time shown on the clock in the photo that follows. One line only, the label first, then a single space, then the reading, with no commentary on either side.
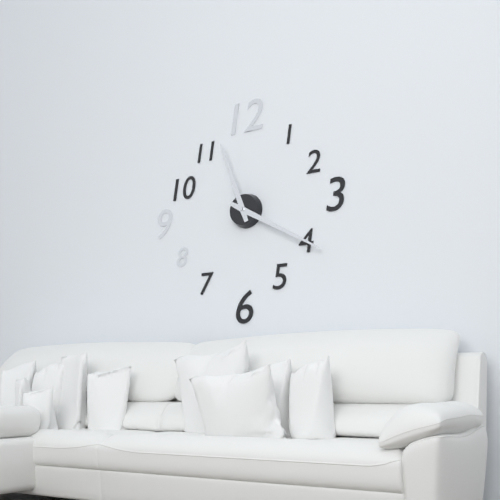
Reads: 11:20
